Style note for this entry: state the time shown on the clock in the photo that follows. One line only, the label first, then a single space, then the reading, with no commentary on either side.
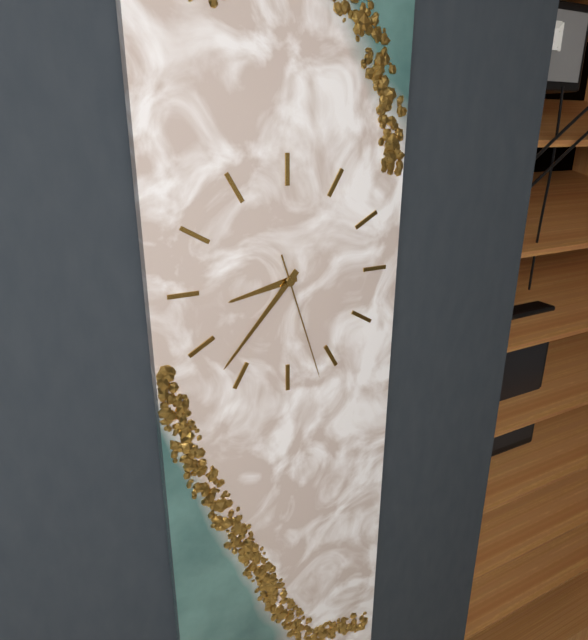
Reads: 8:37:27
